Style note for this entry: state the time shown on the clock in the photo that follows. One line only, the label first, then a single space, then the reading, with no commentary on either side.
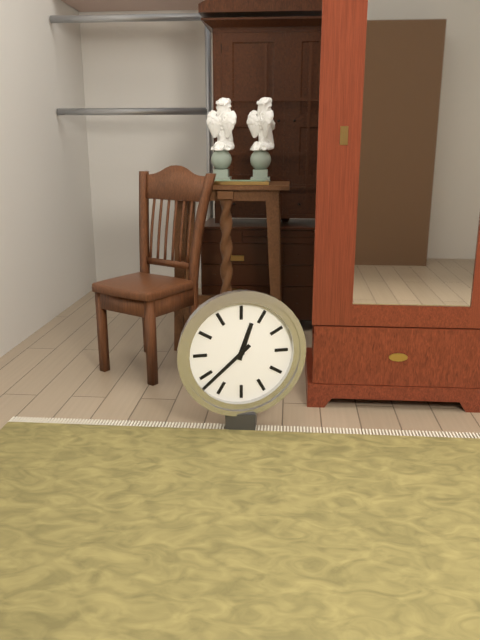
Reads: 12:38
